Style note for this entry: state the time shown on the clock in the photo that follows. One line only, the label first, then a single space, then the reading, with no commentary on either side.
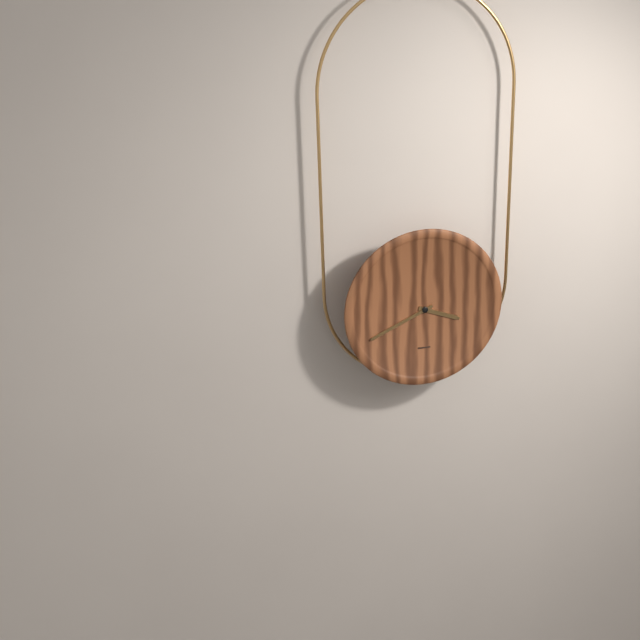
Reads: 3:41
